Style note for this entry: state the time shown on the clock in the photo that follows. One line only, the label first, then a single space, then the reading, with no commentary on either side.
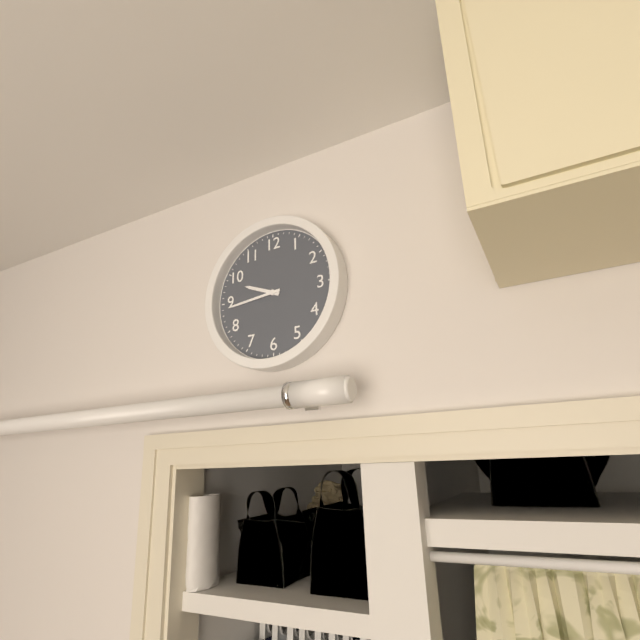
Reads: 9:44
